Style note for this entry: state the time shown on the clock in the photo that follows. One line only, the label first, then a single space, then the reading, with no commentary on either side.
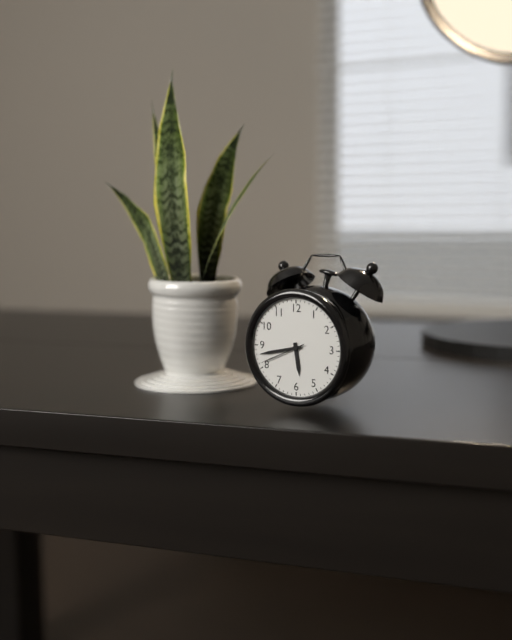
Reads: 5:43
